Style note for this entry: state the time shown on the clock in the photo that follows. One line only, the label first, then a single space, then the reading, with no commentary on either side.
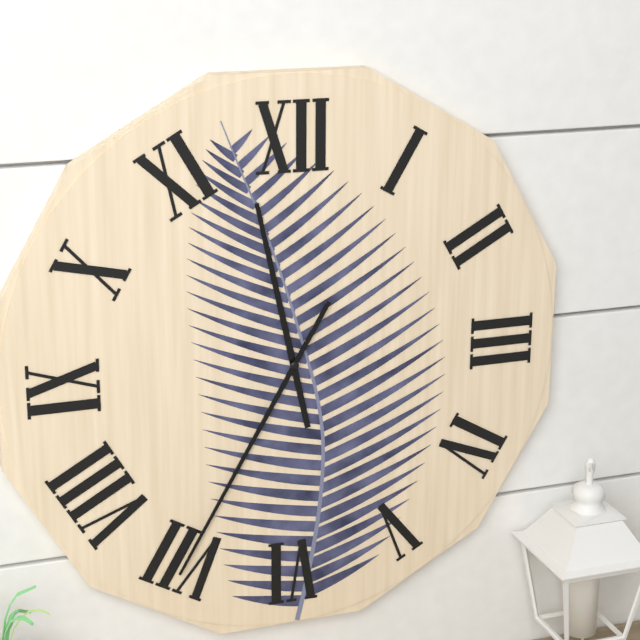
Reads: 11:35
